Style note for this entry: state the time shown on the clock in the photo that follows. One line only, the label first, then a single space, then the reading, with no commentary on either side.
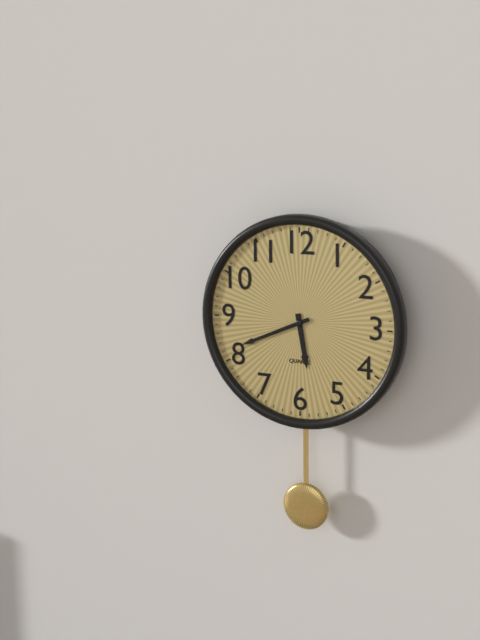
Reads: 5:41
